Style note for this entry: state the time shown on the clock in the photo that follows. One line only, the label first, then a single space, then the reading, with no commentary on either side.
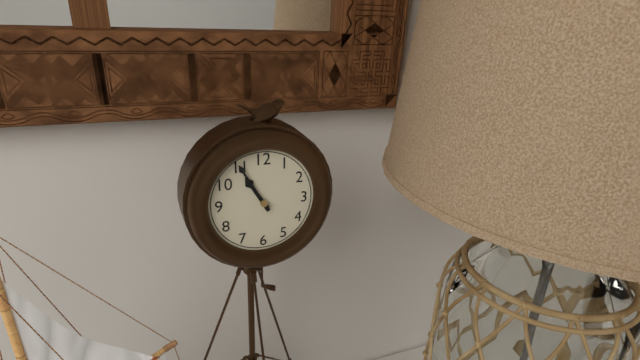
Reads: 10:55
